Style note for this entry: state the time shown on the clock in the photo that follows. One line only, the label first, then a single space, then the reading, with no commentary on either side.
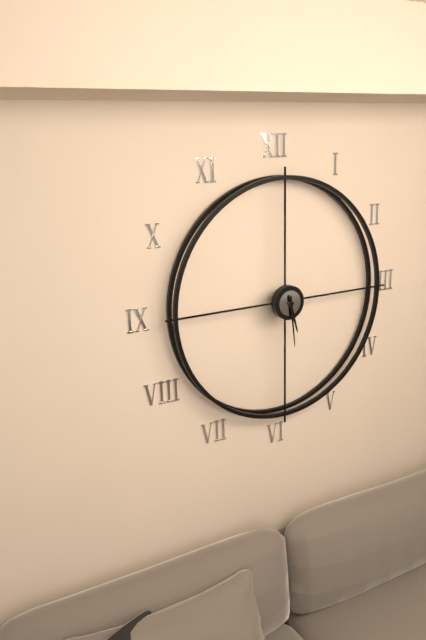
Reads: 5:29
